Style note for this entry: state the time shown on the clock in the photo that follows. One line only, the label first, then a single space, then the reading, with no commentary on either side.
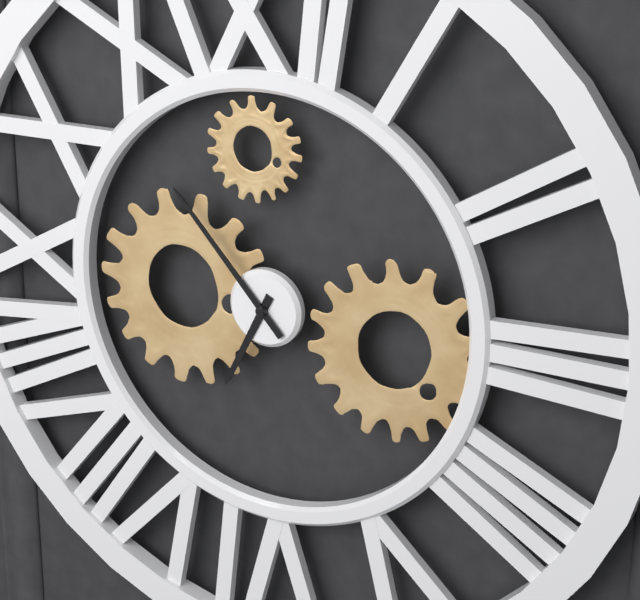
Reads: 6:53
